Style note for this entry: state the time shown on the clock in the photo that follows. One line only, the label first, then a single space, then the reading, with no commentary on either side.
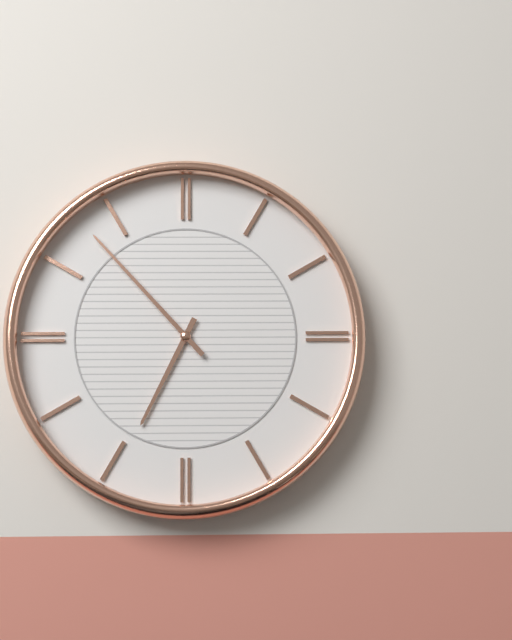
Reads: 6:53
